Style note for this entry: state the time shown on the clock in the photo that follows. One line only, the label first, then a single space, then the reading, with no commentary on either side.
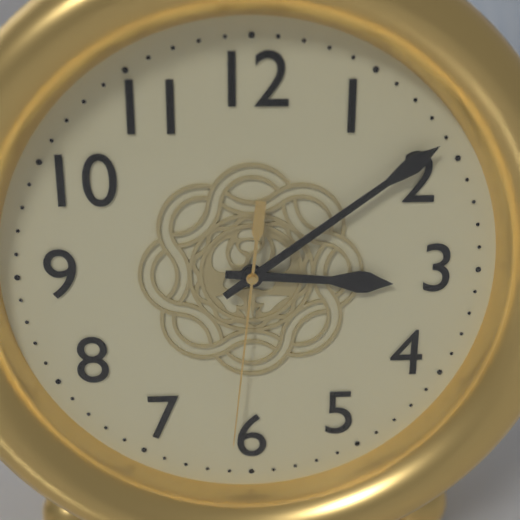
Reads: 3:09:31
